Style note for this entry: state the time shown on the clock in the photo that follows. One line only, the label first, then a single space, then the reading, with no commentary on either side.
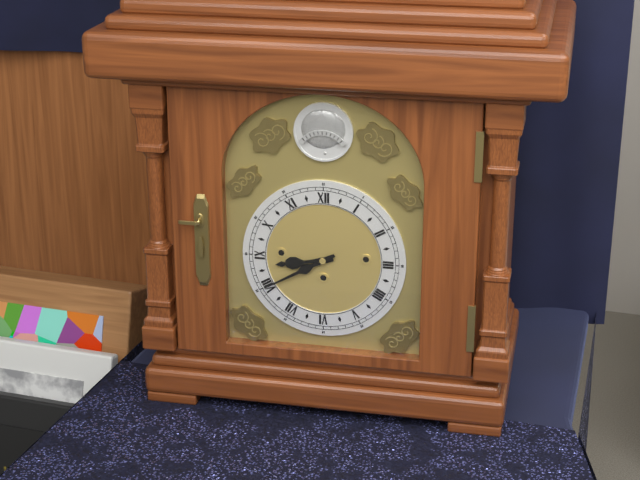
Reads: 8:40
